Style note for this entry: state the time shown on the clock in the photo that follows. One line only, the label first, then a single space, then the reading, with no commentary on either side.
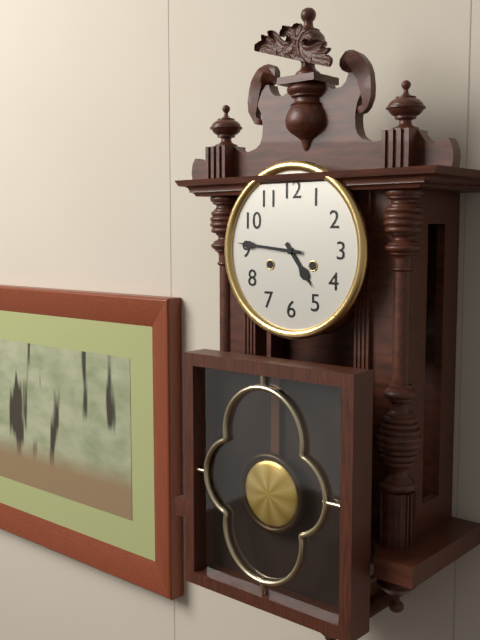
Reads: 4:46
